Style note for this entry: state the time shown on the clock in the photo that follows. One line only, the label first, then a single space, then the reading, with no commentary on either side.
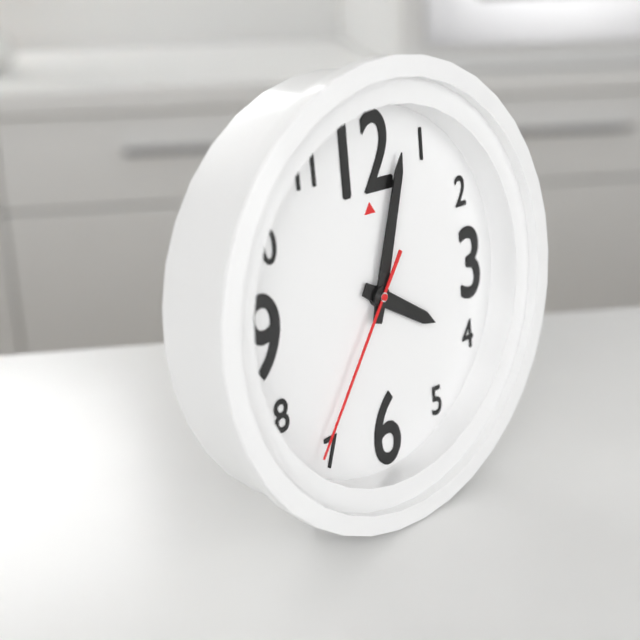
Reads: 4:03:36
